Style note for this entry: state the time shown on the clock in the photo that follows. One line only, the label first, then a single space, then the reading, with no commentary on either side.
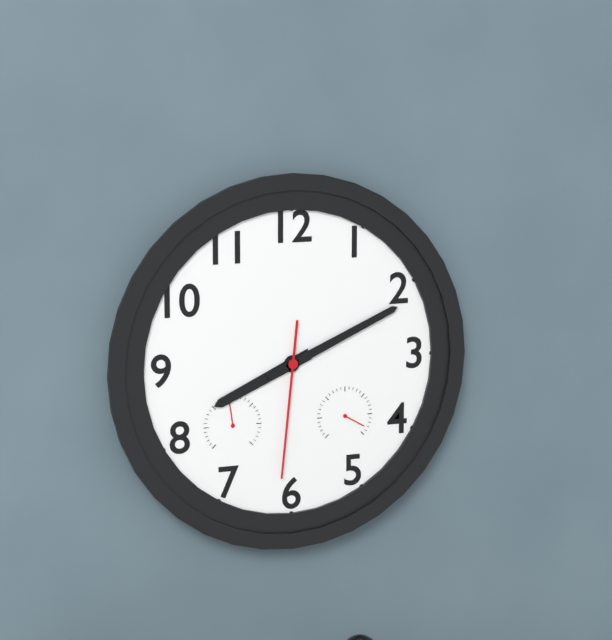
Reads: 8:11:31
